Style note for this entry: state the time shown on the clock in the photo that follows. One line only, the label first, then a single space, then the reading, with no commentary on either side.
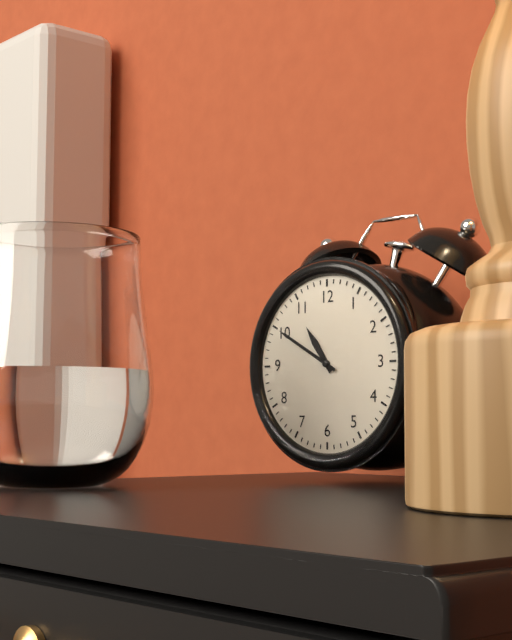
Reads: 10:50
